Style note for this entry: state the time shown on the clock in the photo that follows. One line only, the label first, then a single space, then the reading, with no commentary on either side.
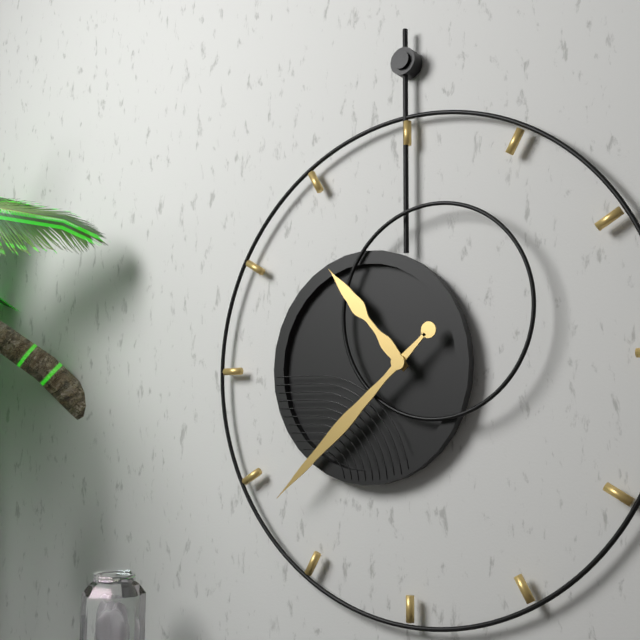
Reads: 10:38
